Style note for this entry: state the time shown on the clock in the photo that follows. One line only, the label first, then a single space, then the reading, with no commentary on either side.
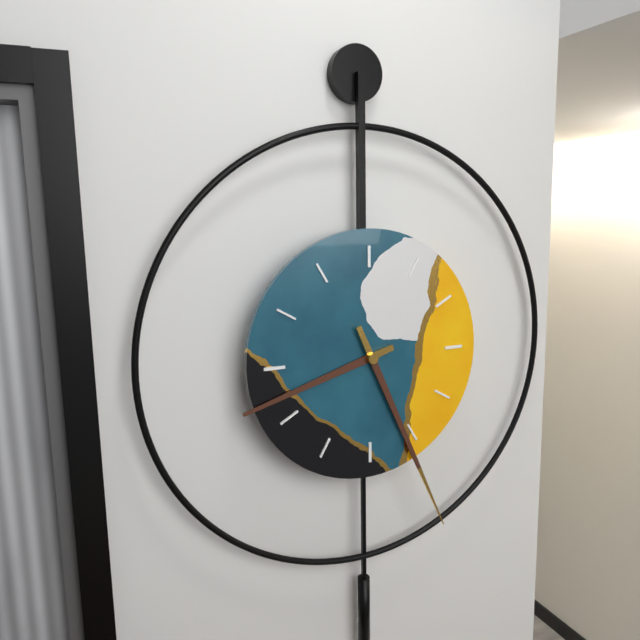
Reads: 8:26
